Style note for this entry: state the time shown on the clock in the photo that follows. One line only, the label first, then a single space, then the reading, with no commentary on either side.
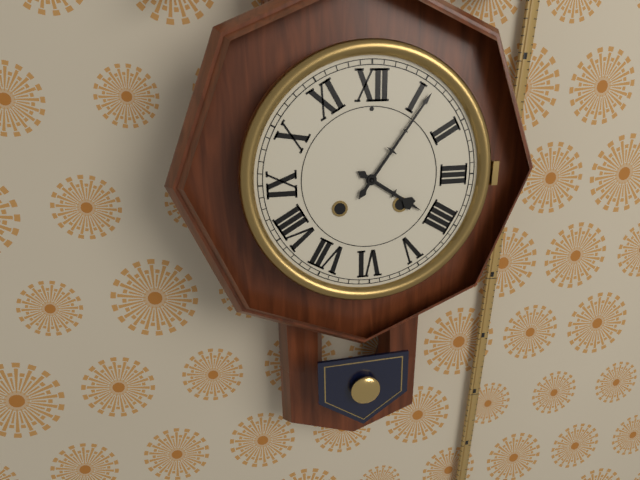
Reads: 4:06
